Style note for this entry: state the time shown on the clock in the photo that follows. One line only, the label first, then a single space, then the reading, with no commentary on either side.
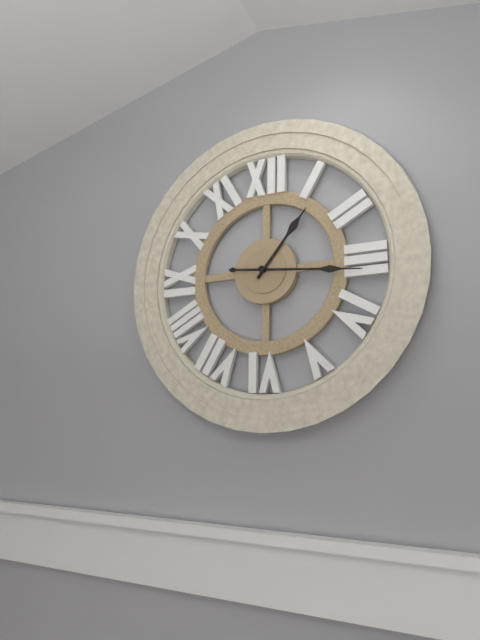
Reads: 1:16
